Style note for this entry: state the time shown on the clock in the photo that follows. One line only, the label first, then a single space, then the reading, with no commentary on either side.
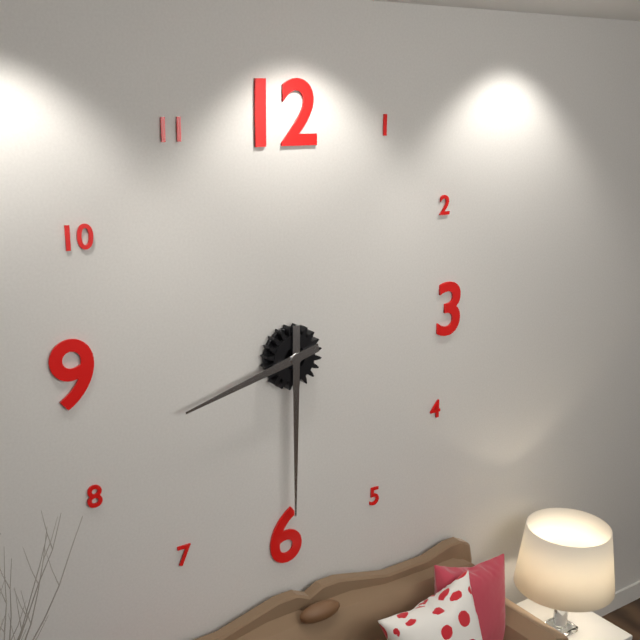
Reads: 8:30
